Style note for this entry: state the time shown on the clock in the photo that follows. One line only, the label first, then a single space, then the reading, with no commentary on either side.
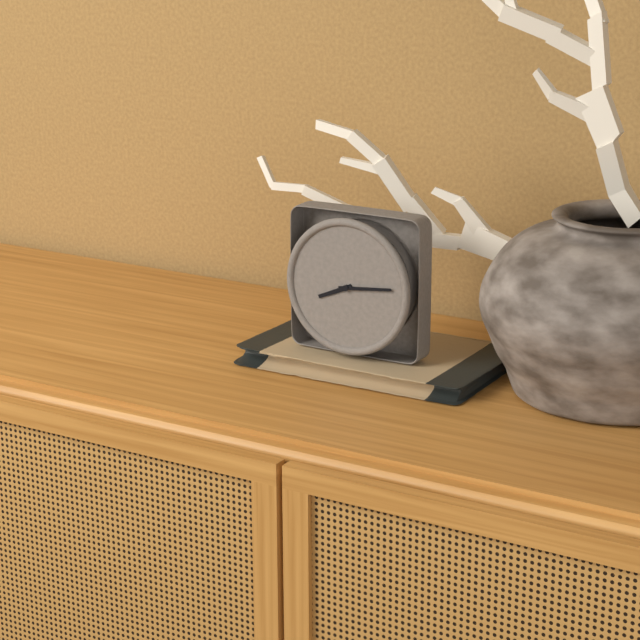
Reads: 8:14
